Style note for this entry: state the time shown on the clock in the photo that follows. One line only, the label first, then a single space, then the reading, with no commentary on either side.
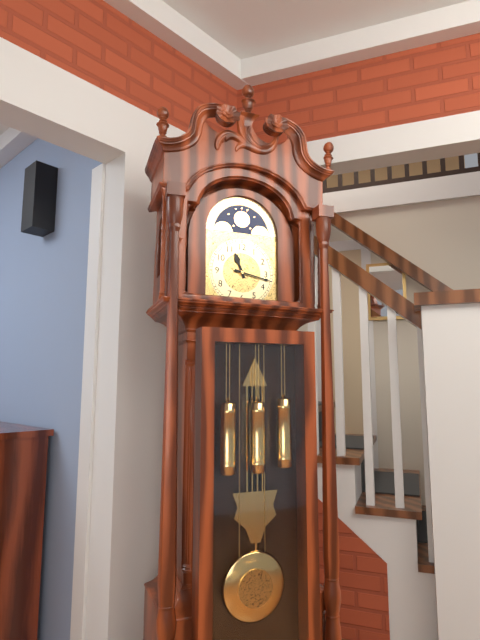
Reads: 11:17
